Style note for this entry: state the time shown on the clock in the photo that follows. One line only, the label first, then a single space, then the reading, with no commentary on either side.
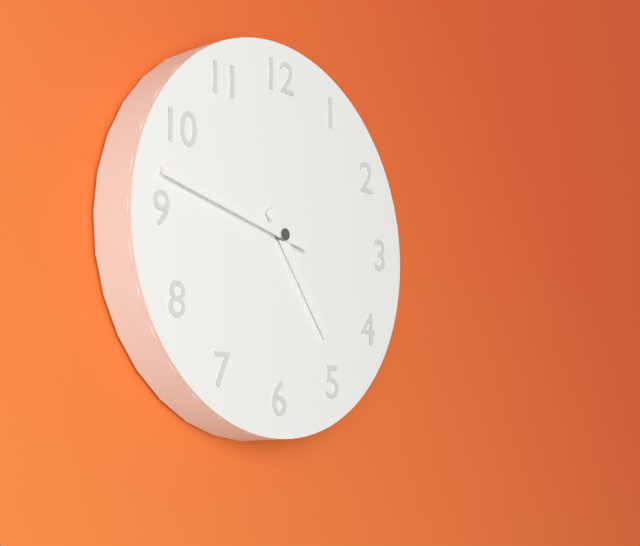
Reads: 4:47
